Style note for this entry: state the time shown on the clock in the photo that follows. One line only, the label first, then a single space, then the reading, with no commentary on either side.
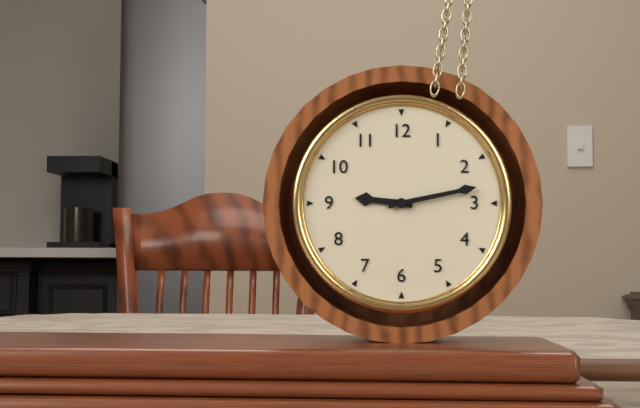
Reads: 9:13
